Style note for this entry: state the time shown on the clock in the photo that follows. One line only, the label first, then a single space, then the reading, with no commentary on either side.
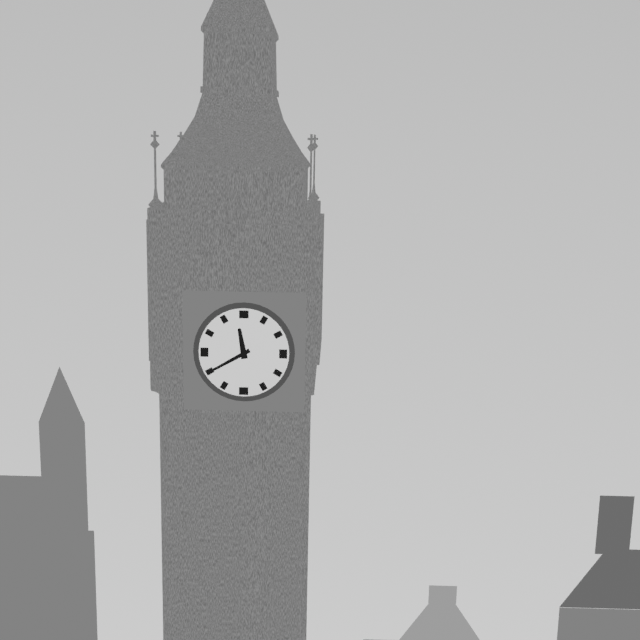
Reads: 11:40
